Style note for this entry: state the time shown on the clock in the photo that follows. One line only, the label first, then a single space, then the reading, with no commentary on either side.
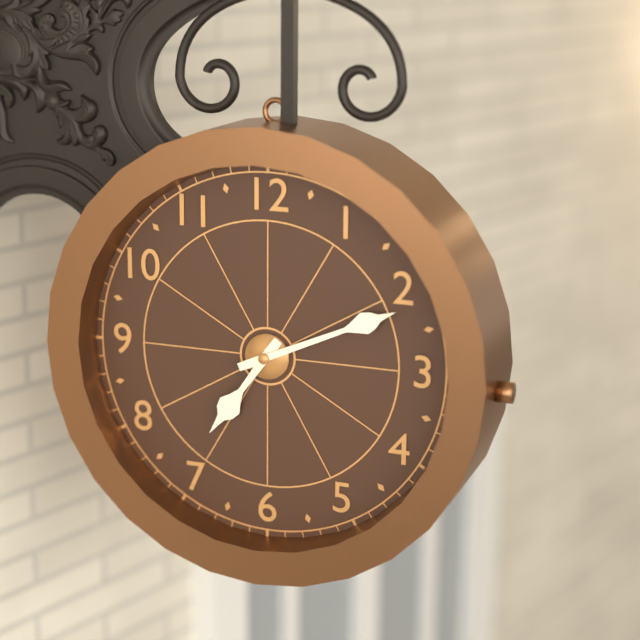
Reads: 7:11
